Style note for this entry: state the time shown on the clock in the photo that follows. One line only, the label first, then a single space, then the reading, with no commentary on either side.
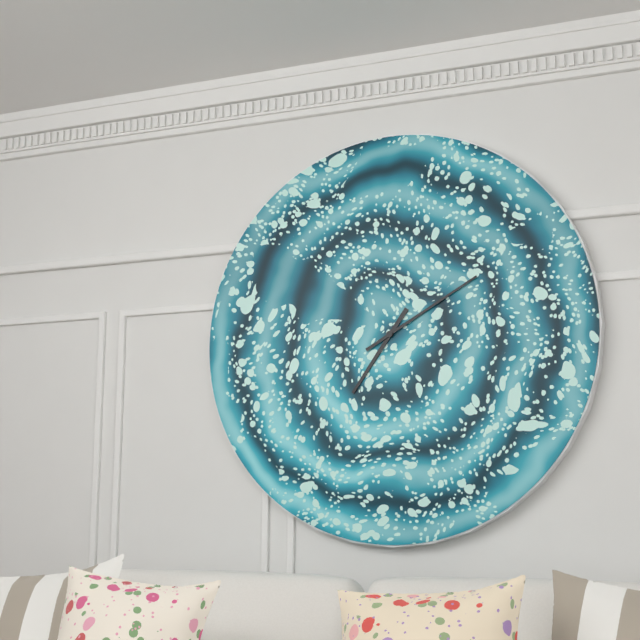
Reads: 7:10
